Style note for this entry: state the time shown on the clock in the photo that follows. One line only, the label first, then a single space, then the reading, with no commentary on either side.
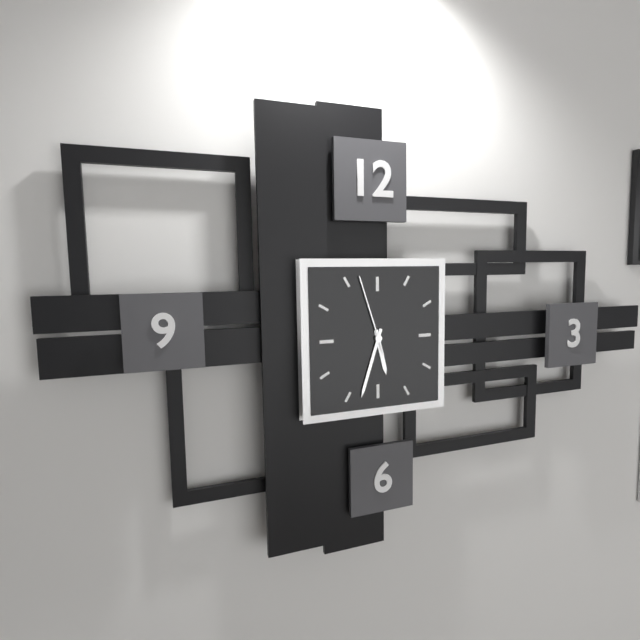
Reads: 5:33:57
